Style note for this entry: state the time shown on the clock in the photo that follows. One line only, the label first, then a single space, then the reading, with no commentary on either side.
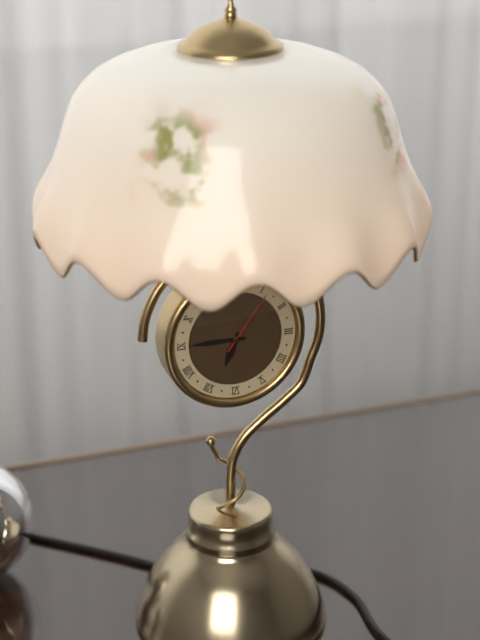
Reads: 6:45:06
